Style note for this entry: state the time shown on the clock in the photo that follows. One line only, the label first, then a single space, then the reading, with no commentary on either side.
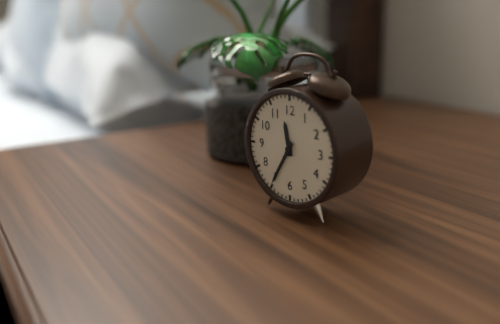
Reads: 11:35
